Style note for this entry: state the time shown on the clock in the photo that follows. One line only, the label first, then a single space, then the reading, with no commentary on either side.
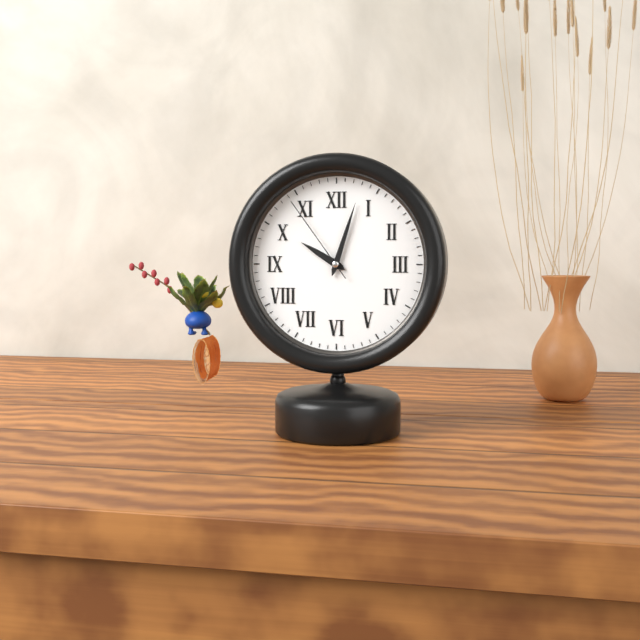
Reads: 10:03:54
